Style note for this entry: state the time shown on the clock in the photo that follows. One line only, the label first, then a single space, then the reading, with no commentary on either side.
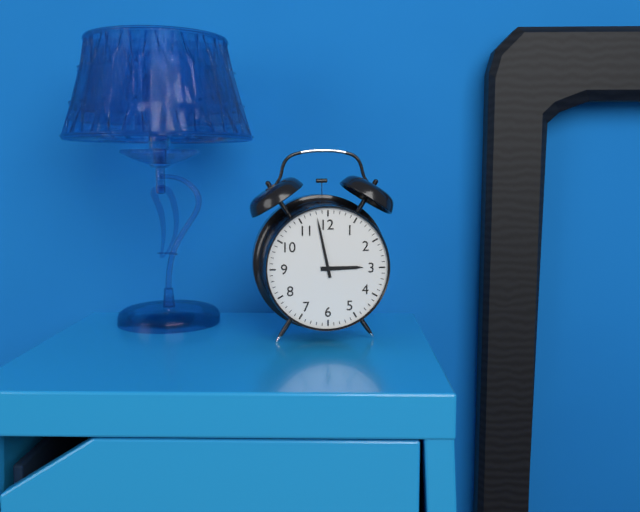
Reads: 2:58
